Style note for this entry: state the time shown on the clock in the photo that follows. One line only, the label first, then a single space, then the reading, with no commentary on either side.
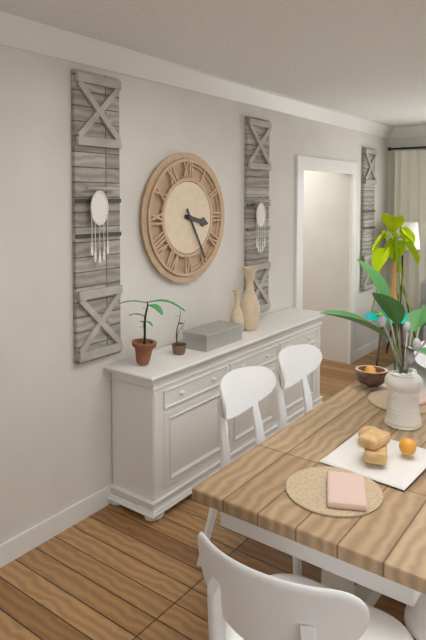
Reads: 3:25
